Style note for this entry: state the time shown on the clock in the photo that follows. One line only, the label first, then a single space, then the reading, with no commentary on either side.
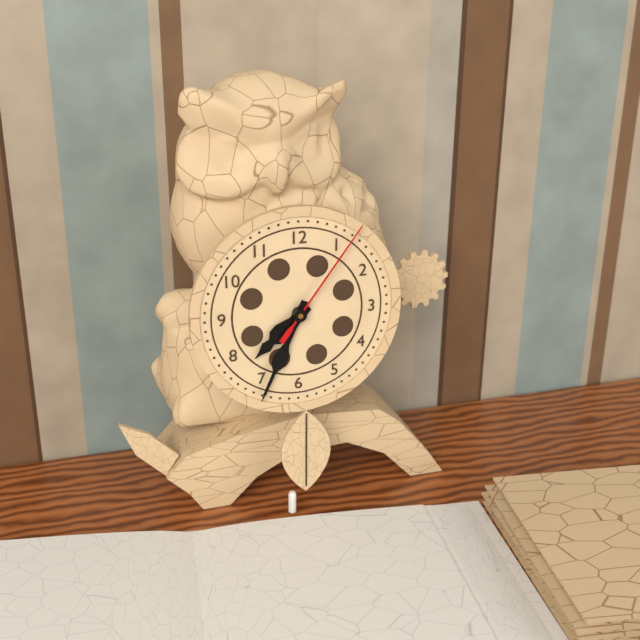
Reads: 7:34:06
